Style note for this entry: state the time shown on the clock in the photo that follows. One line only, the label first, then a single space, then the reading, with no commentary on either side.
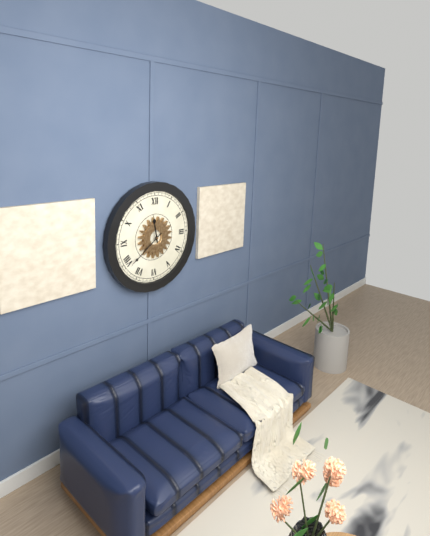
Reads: 11:39
